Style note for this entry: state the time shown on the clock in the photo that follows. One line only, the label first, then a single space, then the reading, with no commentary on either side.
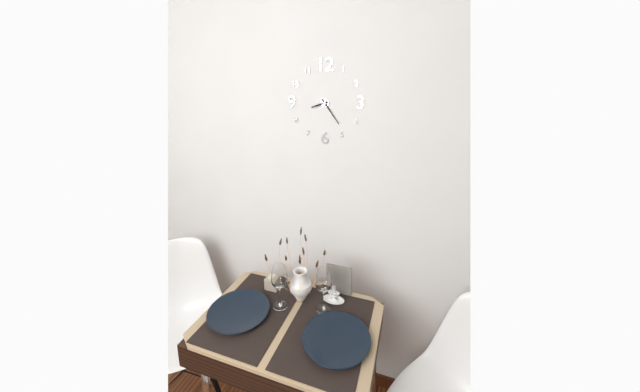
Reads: 8:24
